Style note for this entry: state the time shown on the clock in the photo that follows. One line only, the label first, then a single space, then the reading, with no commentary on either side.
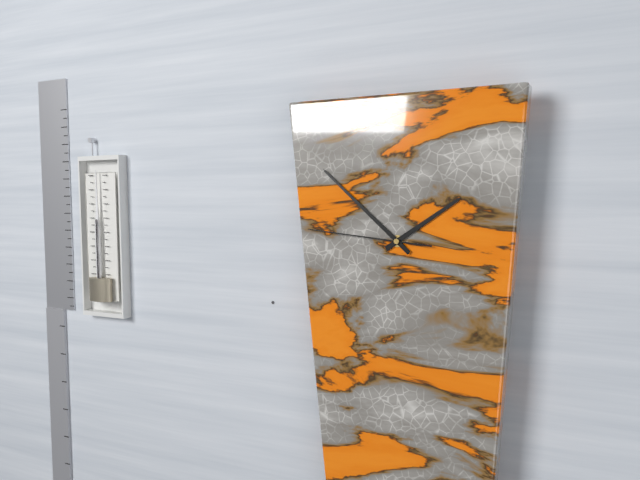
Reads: 1:52:46
